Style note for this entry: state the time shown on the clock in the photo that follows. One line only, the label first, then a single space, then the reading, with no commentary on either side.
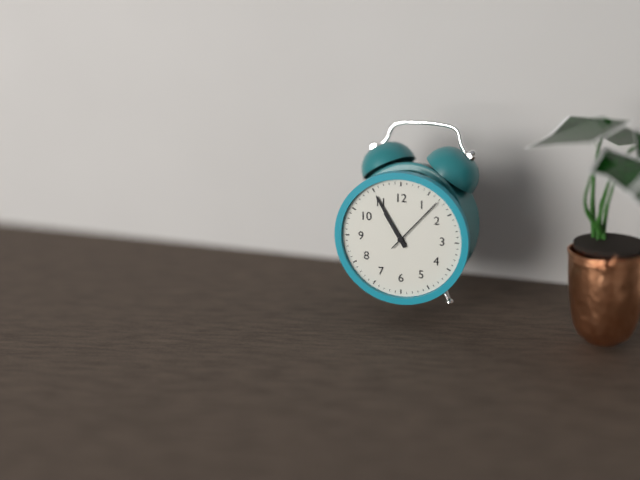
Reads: 10:55:07
